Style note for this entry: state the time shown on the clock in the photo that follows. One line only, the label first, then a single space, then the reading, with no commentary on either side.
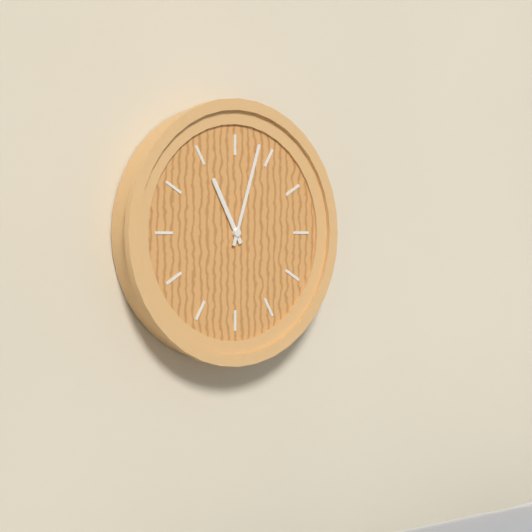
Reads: 11:03
